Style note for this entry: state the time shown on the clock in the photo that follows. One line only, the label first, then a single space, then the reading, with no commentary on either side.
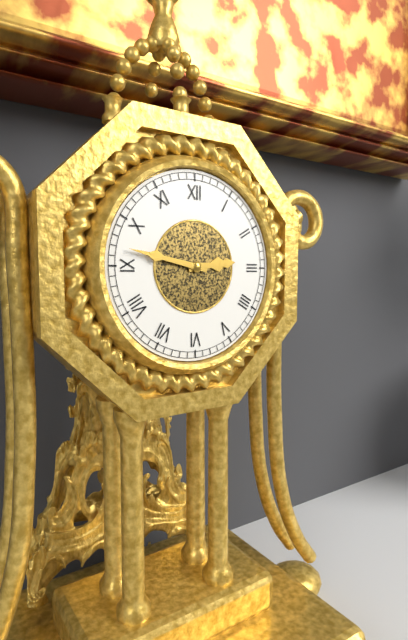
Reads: 2:47
